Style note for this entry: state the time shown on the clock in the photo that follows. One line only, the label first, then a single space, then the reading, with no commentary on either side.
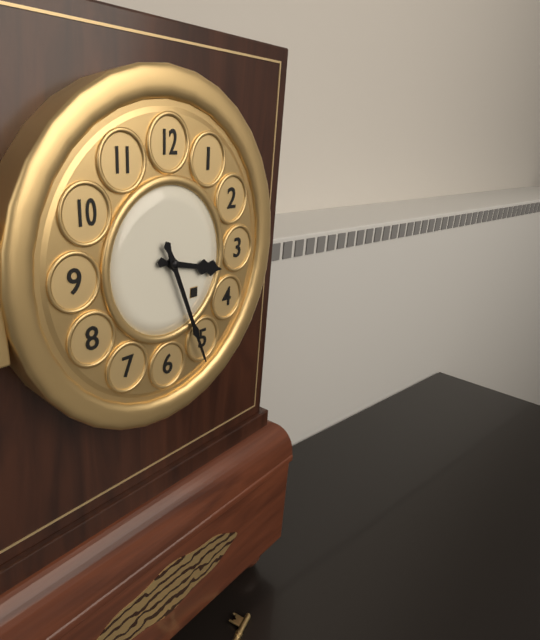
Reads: 3:26
